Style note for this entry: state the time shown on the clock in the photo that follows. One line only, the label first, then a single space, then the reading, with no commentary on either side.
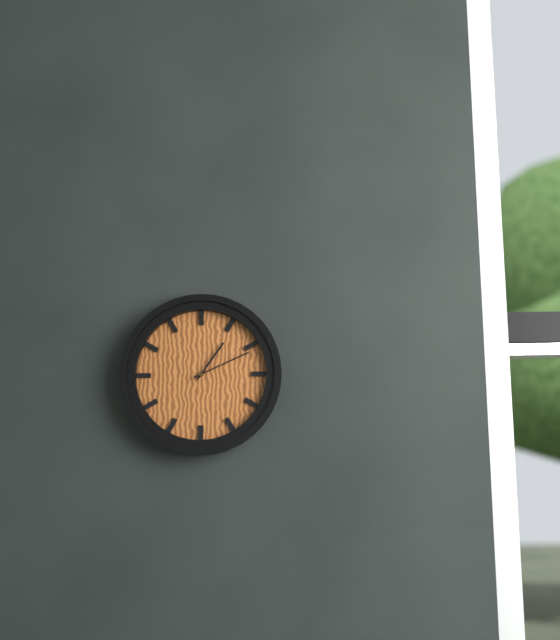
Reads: 1:11
